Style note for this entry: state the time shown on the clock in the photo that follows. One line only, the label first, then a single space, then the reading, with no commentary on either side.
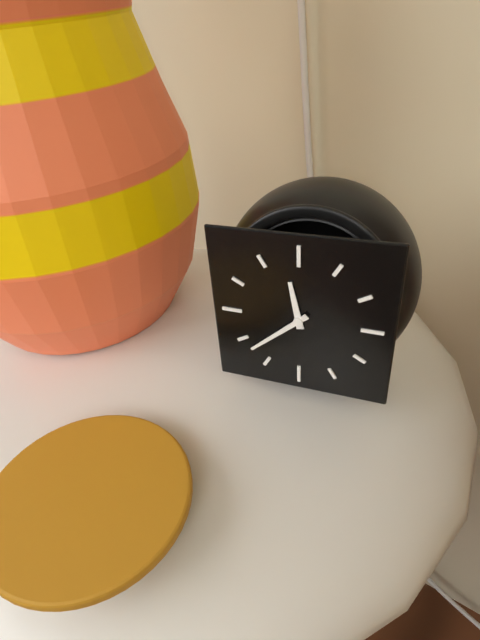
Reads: 11:38
